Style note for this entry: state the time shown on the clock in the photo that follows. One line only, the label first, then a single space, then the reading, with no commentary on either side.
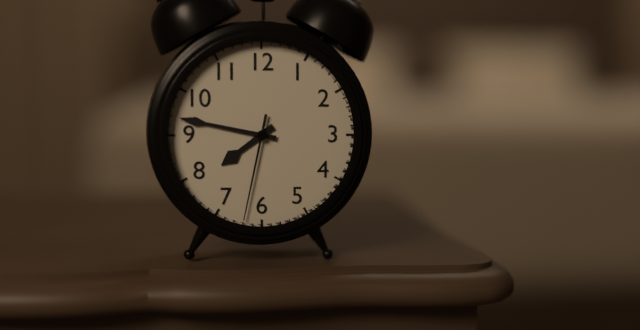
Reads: 7:47:32
